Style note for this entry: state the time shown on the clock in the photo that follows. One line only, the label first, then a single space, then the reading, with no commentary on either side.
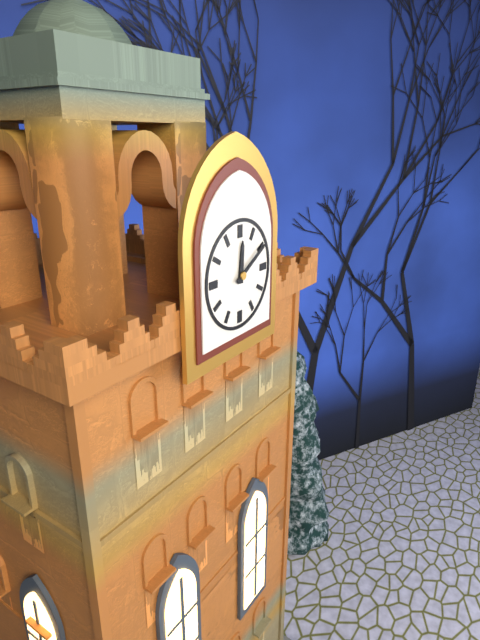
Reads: 12:10
